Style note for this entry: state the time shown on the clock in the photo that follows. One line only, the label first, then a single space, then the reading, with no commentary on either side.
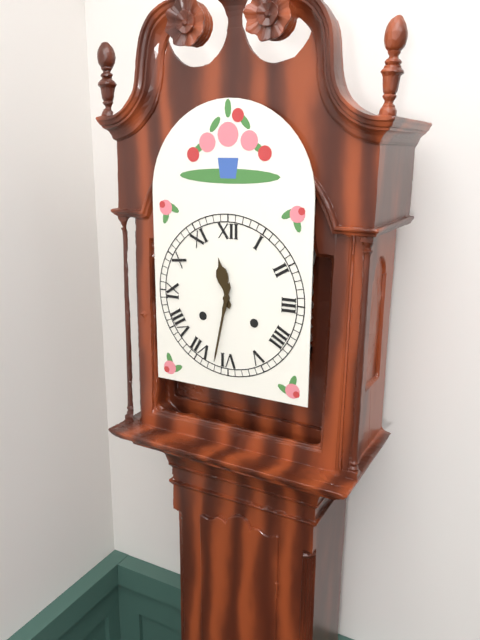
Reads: 11:32
